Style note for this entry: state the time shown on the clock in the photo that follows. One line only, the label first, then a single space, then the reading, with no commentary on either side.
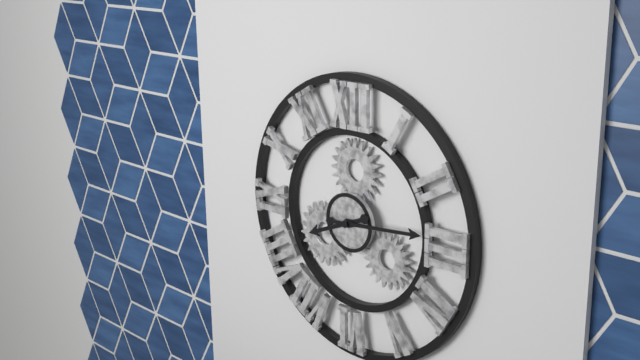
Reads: 8:14
